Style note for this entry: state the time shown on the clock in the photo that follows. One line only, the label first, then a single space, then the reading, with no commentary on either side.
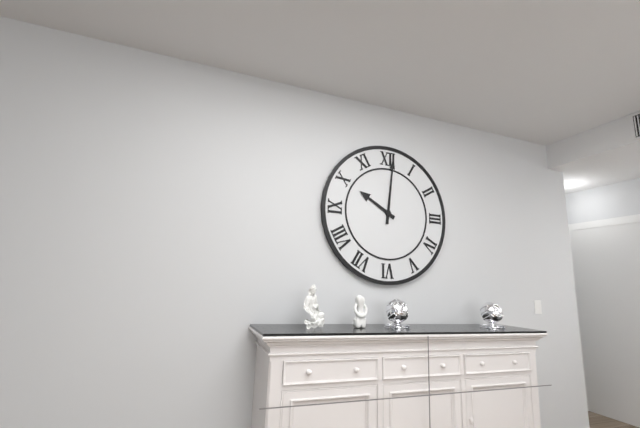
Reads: 10:01
